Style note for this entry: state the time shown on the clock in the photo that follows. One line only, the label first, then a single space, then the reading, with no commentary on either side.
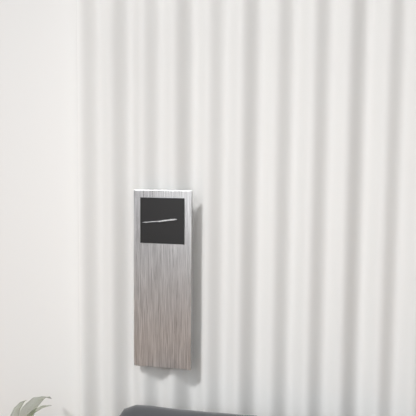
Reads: 2:44
